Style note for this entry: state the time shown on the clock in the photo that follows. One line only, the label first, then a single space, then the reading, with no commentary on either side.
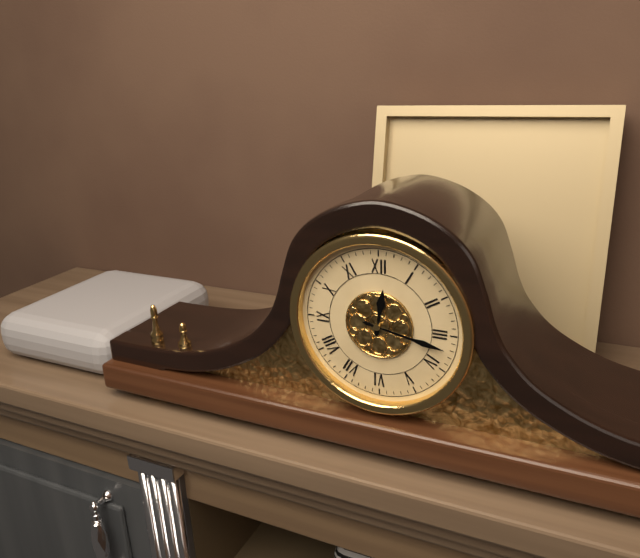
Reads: 12:17
